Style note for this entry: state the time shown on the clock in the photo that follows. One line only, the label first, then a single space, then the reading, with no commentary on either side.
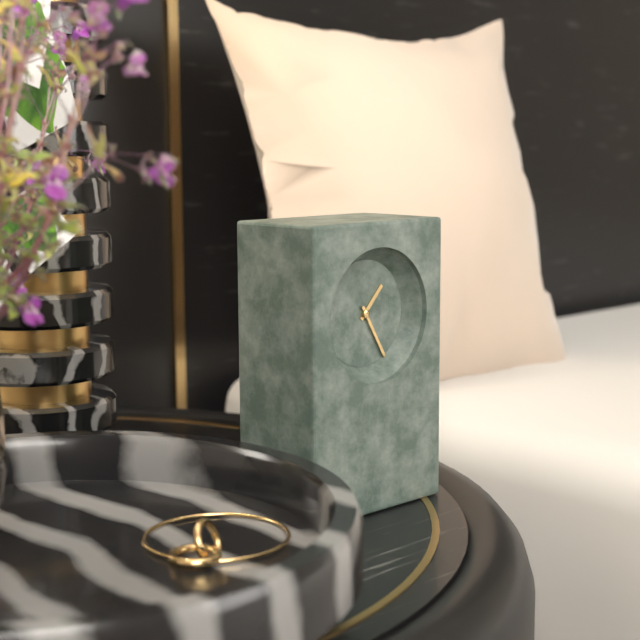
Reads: 1:25
